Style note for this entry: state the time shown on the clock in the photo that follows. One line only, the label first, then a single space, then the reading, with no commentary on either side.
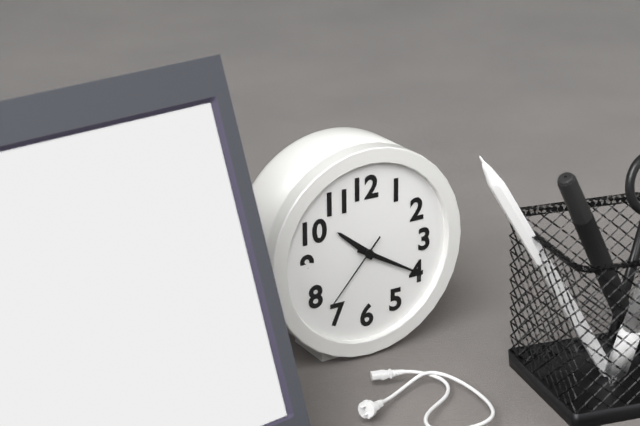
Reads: 10:20:37
